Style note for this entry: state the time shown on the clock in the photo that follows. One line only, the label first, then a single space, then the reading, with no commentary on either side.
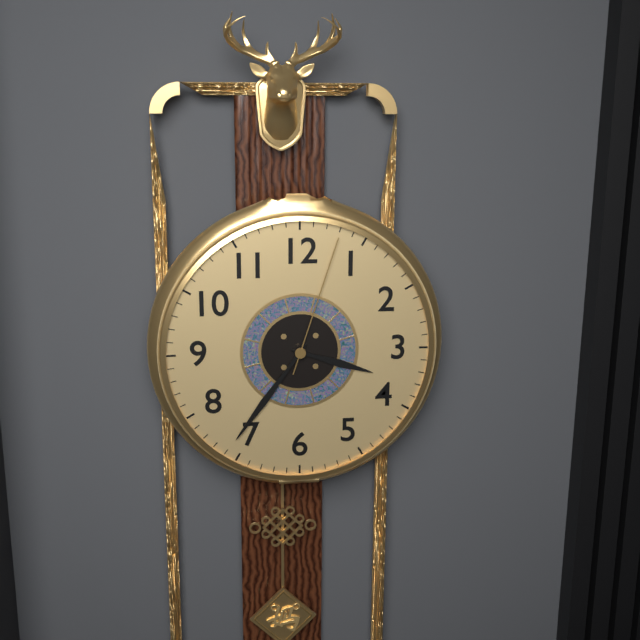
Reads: 3:36:03
